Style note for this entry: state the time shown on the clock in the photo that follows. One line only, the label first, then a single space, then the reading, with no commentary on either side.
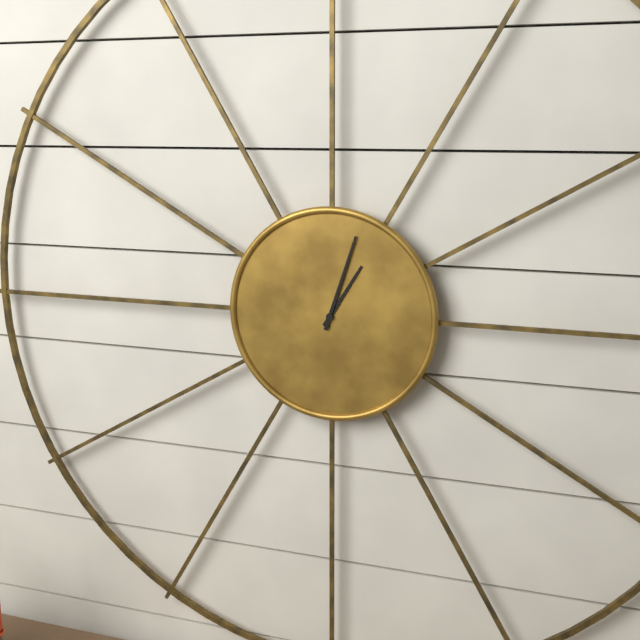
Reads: 1:03
